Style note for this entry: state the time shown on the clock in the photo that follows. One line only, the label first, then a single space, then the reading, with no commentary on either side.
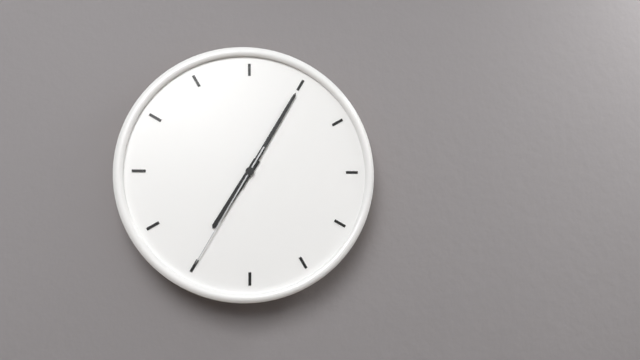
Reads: 7:05:35
